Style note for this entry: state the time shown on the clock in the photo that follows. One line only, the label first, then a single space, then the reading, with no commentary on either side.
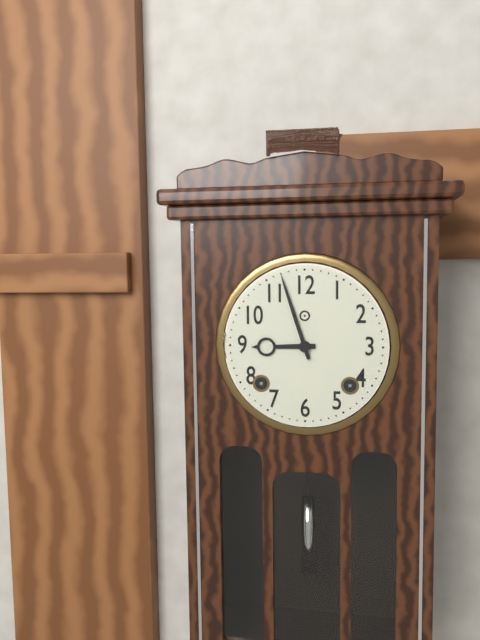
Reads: 8:57
